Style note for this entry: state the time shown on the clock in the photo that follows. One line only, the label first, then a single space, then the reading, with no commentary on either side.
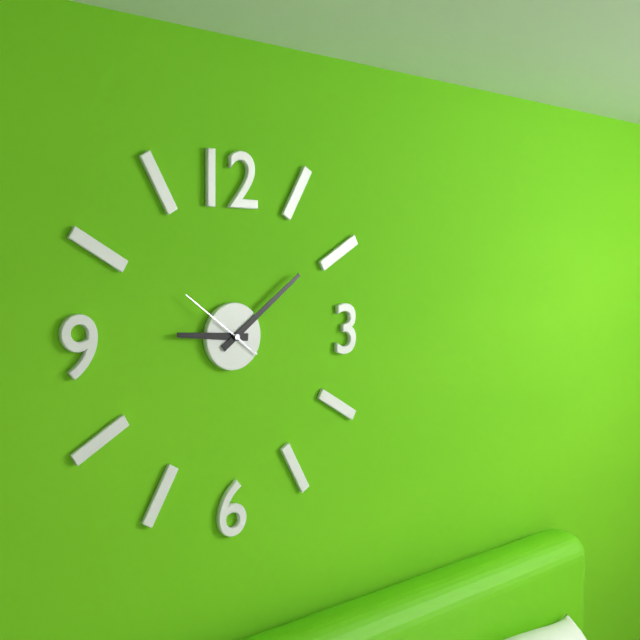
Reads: 9:09:51
